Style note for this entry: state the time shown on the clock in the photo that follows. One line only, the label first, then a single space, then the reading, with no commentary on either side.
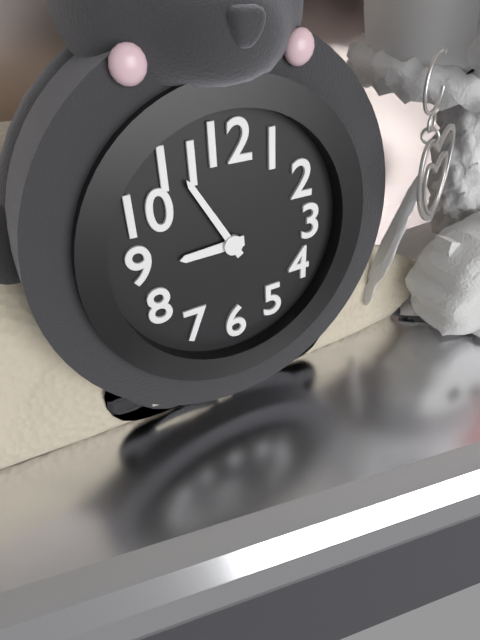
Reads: 8:55
